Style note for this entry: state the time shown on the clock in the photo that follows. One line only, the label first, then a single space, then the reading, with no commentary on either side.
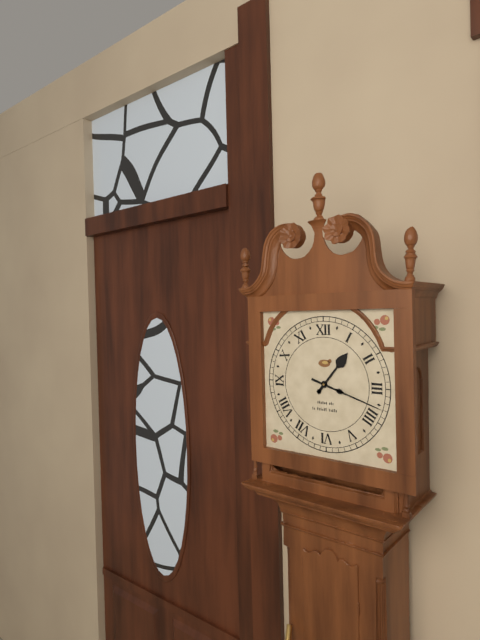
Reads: 1:18
